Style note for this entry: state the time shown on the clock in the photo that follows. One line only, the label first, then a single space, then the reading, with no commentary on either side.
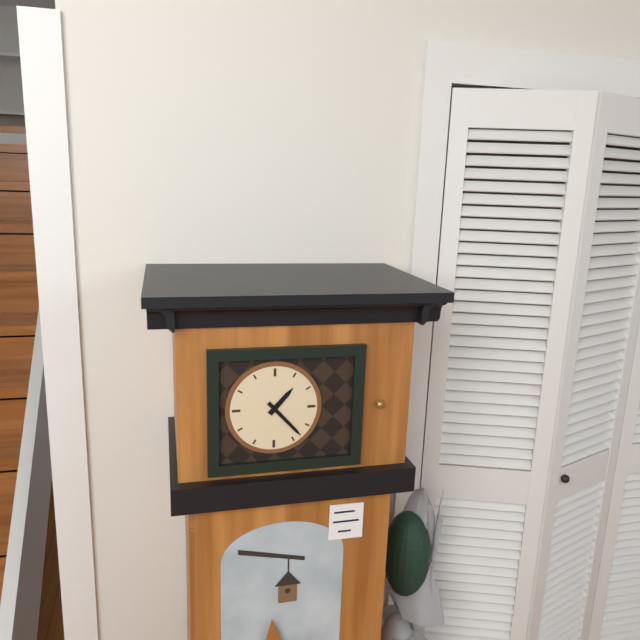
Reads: 1:23
